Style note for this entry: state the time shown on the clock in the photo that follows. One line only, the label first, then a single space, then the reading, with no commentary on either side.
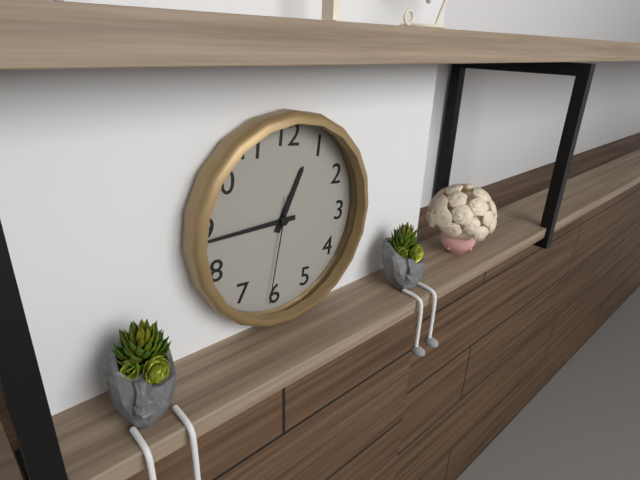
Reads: 12:44:31
